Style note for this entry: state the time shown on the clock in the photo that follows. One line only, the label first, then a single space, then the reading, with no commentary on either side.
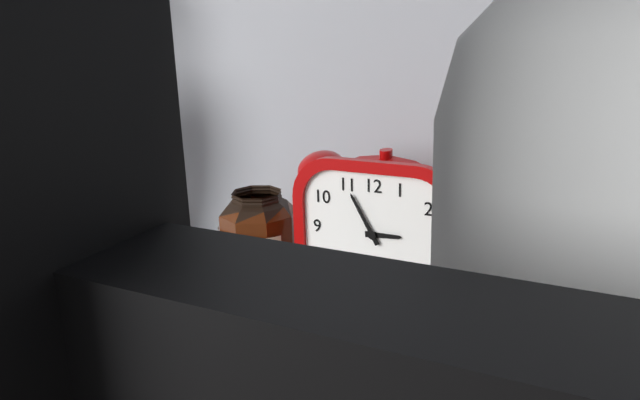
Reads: 2:55
